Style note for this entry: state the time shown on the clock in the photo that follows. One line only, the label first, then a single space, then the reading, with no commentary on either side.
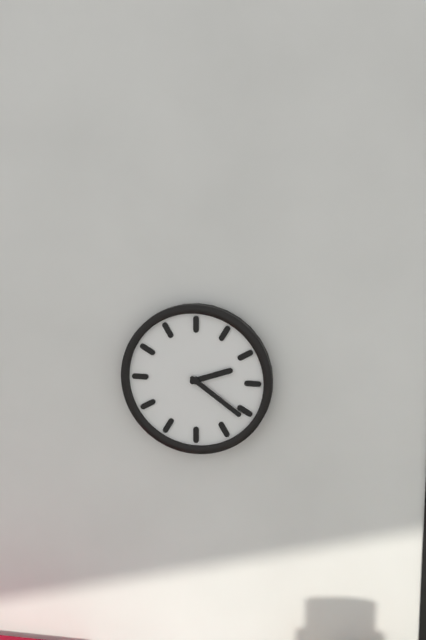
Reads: 2:21
